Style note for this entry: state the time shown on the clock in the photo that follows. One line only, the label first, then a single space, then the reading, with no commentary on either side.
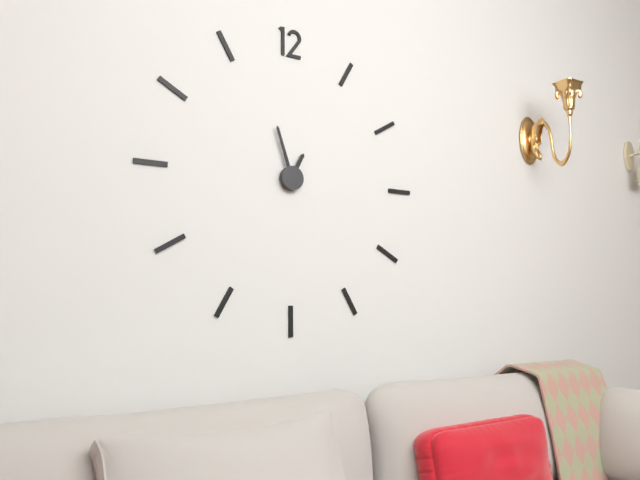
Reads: 12:57
